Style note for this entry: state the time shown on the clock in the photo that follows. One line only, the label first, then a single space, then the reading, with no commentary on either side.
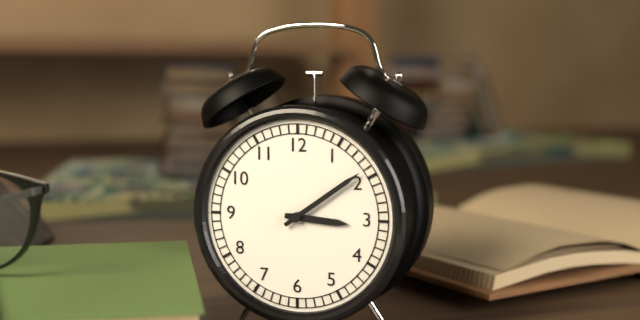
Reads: 3:09
